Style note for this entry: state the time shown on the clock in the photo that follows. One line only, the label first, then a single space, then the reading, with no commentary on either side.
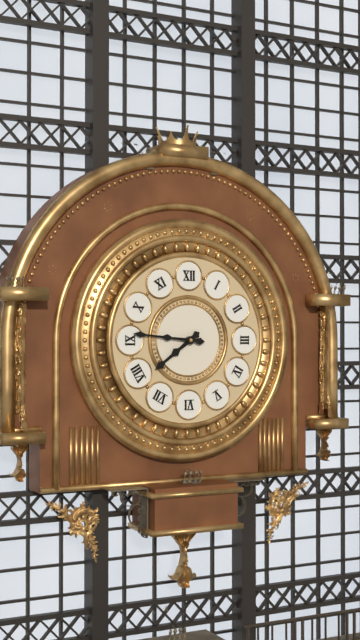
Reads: 7:46
